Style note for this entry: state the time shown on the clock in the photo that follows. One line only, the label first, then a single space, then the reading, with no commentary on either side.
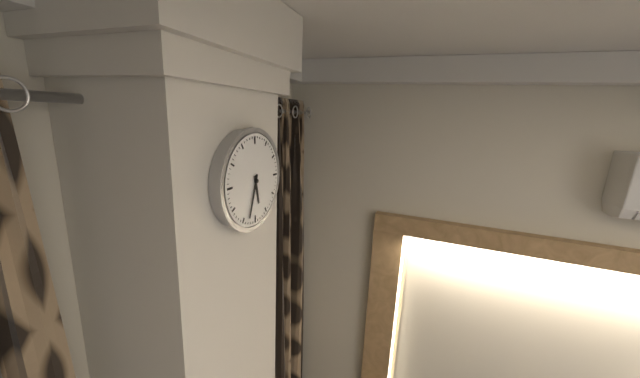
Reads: 5:33
